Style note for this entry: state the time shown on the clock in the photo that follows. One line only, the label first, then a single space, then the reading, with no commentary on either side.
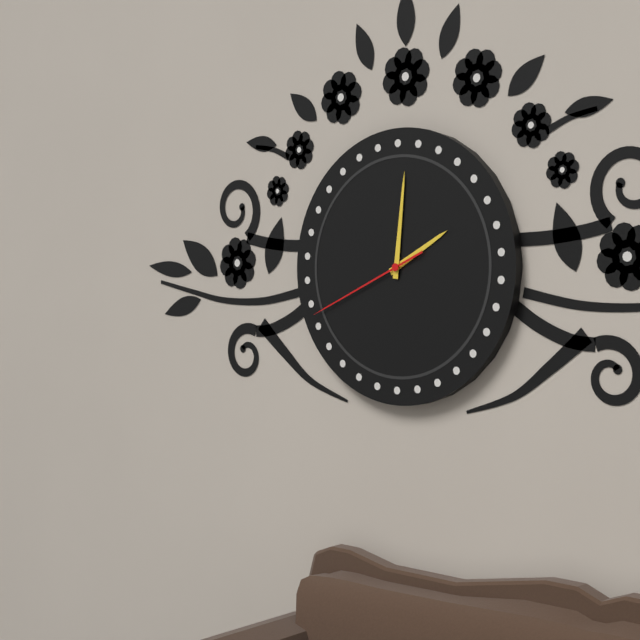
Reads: 2:01:41
